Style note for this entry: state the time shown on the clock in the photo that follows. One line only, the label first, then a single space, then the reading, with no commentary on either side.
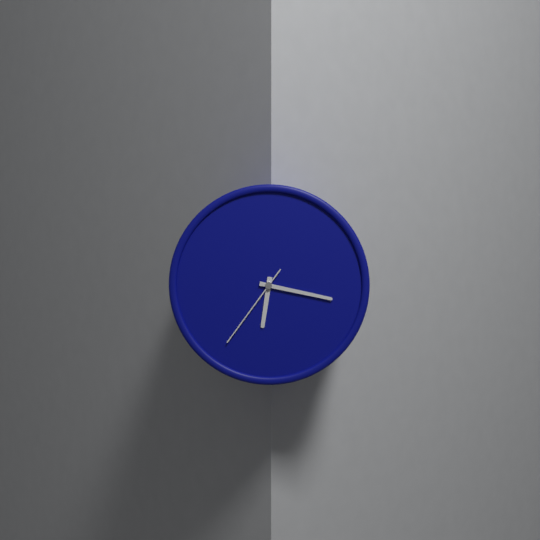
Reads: 6:17:36
